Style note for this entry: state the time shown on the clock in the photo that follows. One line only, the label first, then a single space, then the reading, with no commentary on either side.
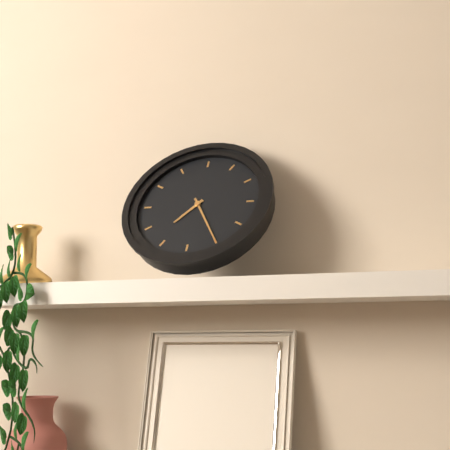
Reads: 7:25
